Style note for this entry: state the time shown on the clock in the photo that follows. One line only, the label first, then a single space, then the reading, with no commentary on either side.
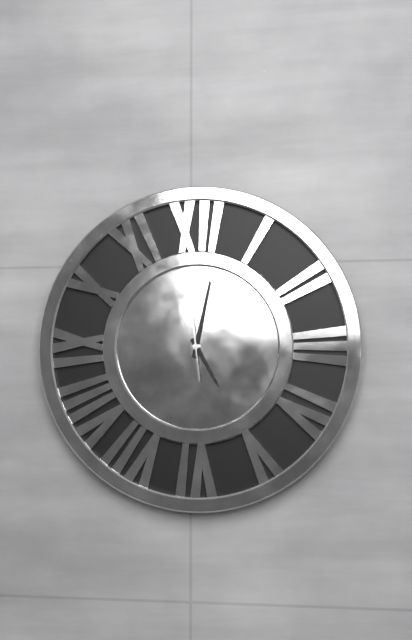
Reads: 5:02:59
